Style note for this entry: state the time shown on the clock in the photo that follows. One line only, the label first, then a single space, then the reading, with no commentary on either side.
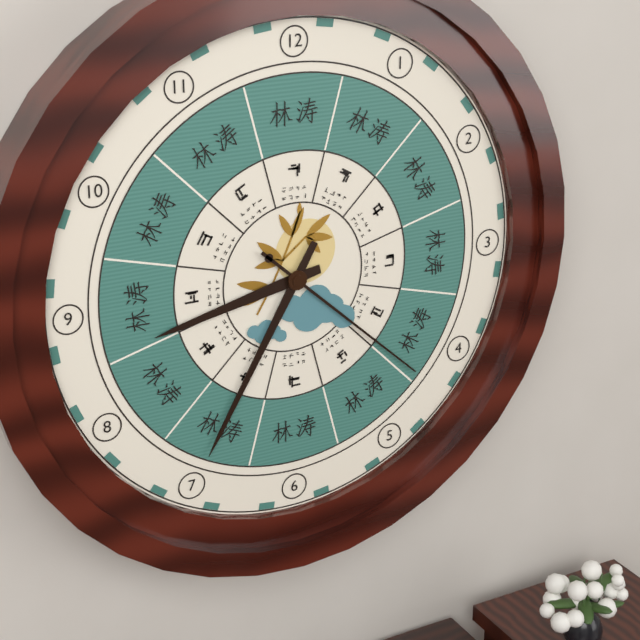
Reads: 8:35:22
